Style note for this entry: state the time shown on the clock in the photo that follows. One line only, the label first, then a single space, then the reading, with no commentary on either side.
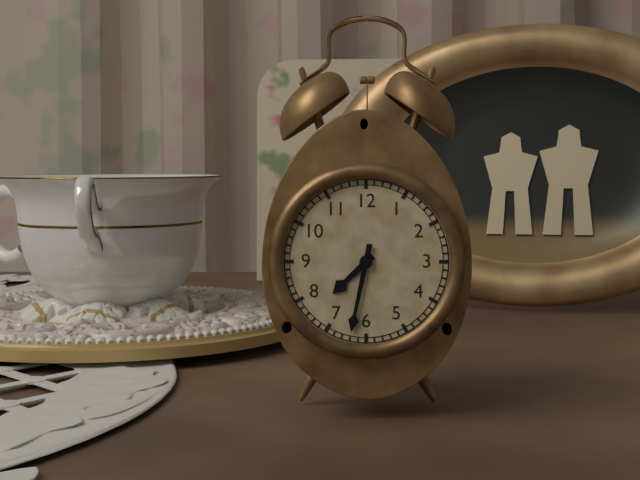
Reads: 7:32
